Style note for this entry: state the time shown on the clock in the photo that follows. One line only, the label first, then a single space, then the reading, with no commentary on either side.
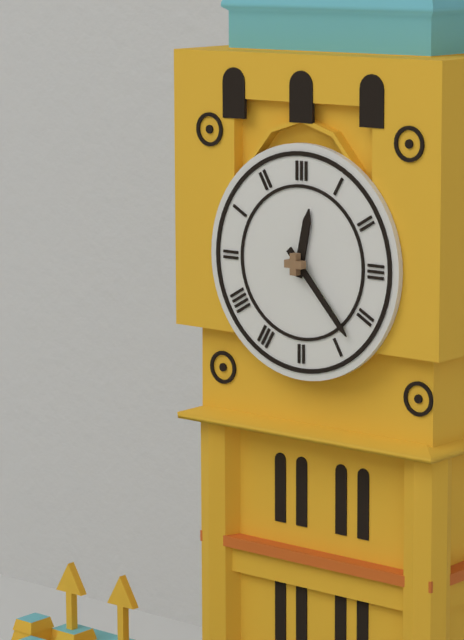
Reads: 12:23
